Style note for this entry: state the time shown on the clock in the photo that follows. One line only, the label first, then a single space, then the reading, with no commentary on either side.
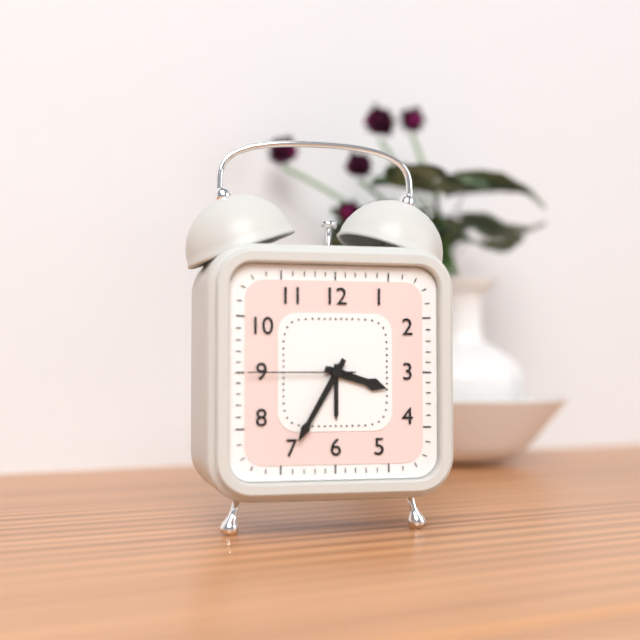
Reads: 3:35:45
